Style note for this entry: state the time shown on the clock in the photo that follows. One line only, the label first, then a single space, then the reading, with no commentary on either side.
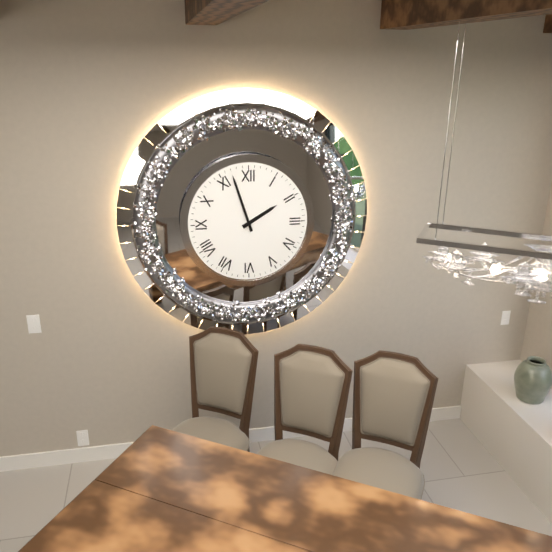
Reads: 1:57
